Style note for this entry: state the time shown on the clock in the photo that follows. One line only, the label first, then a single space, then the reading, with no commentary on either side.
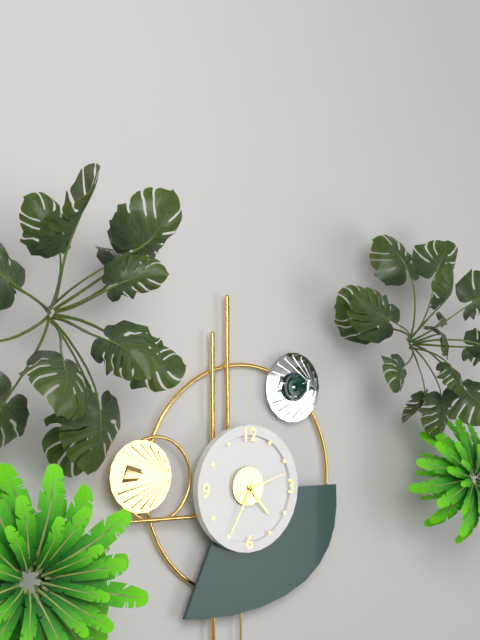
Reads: 4:35
